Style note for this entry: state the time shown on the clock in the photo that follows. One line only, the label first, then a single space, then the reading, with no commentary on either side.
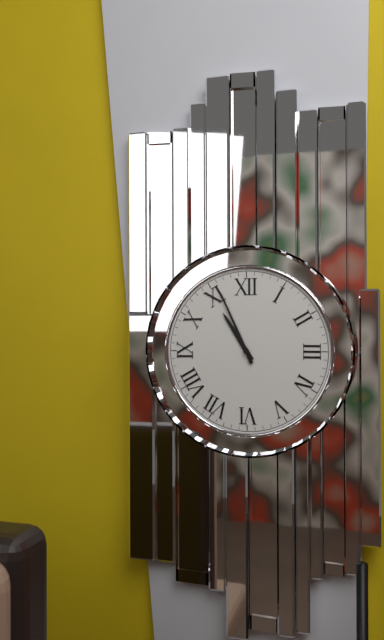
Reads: 10:56
